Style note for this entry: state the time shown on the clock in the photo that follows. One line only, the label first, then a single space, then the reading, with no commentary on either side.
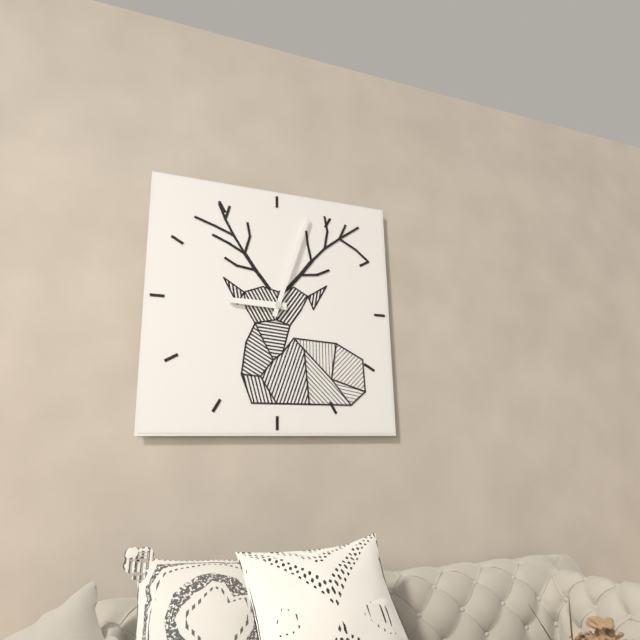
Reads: 9:03
